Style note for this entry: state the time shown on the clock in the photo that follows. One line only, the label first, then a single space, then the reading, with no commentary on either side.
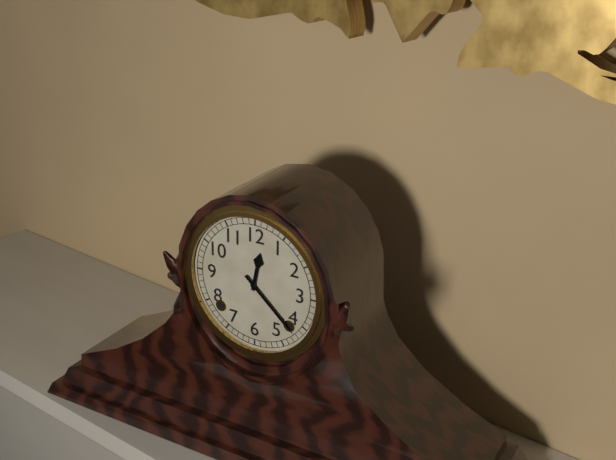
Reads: 12:22
